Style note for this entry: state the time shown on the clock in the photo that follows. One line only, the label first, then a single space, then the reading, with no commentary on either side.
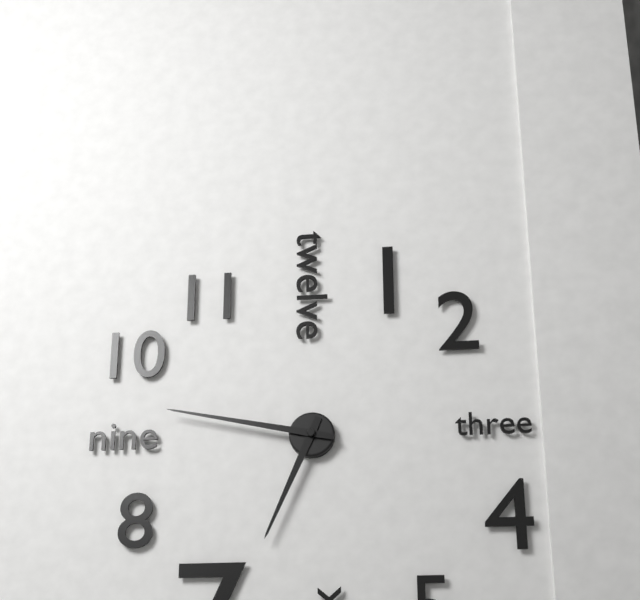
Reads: 6:47
